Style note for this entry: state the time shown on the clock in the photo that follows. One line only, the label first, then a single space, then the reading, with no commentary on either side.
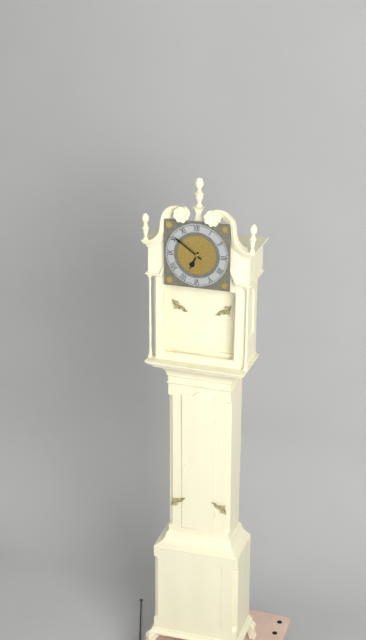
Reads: 6:51
